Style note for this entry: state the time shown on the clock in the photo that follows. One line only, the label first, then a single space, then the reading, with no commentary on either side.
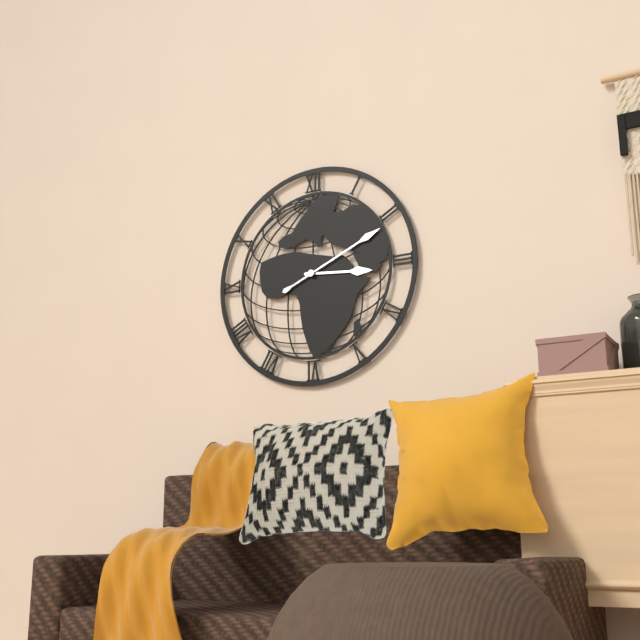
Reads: 3:11
